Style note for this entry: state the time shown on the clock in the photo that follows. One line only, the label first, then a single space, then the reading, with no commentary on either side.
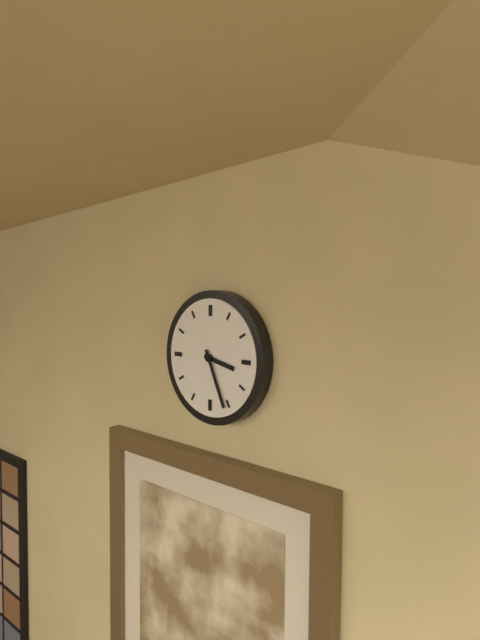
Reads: 3:26
